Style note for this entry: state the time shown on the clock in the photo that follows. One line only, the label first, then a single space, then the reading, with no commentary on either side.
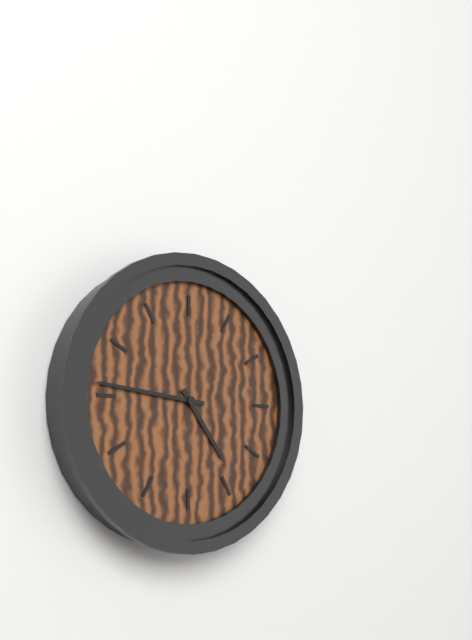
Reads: 4:46
